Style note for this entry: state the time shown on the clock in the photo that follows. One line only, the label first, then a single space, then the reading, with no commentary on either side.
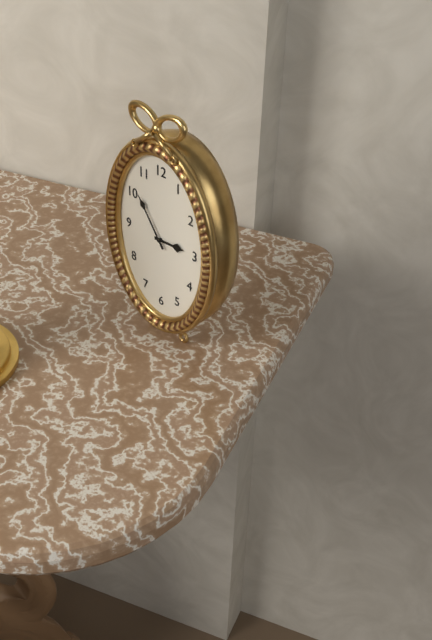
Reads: 2:54
